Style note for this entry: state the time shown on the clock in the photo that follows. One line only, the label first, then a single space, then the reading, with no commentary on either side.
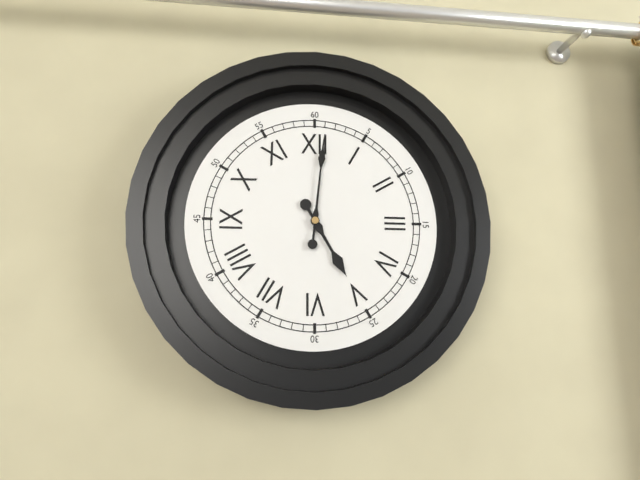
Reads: 5:01
